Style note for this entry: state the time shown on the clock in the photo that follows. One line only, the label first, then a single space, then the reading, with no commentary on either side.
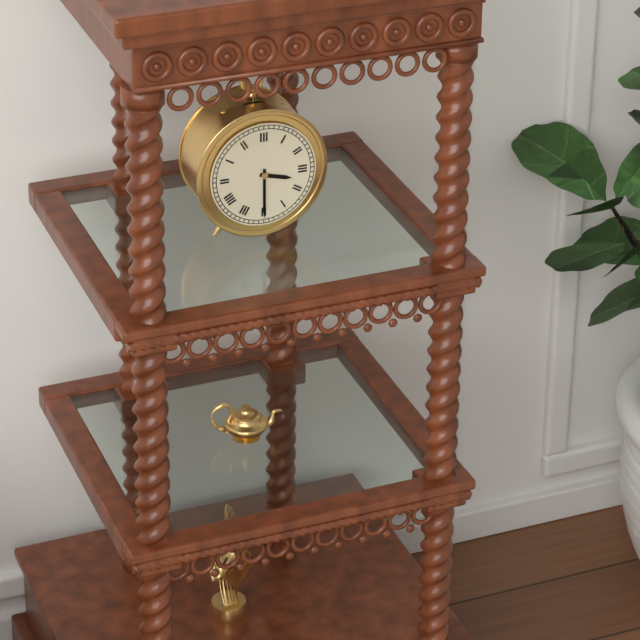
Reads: 3:30
